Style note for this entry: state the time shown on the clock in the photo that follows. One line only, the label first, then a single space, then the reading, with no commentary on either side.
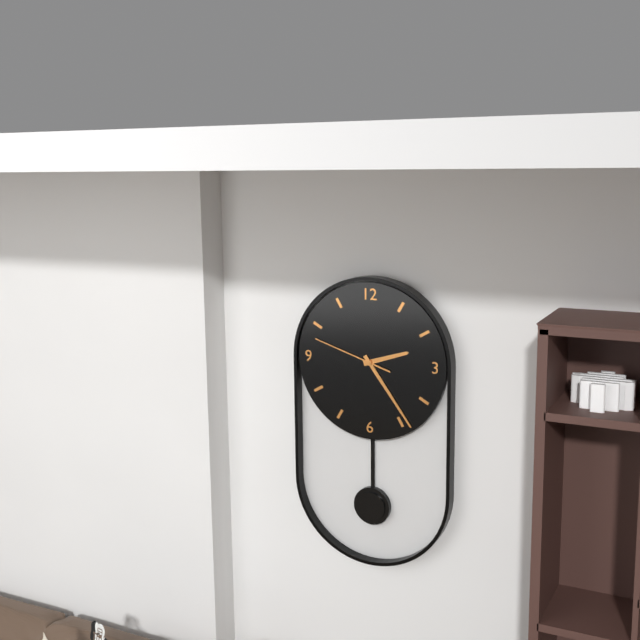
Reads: 2:24:48
